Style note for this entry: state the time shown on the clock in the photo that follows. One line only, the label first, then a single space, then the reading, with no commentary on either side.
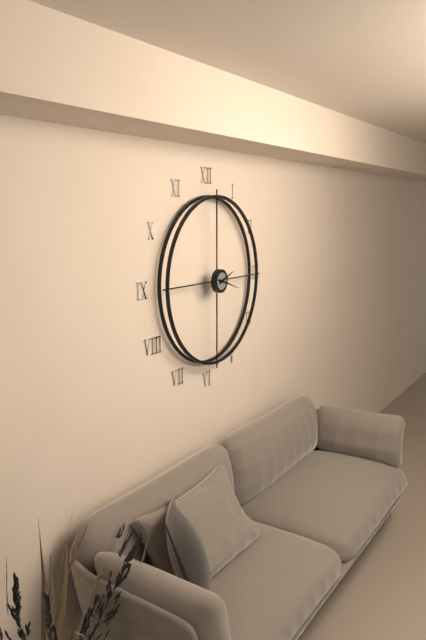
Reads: 2:18
